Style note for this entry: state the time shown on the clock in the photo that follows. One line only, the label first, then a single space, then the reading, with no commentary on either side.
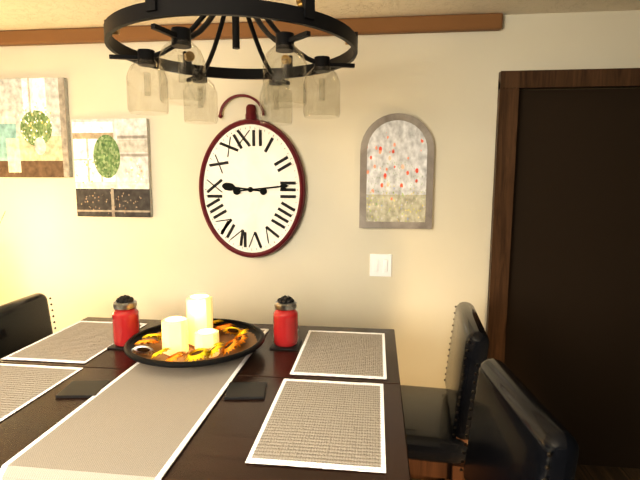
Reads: 9:14
